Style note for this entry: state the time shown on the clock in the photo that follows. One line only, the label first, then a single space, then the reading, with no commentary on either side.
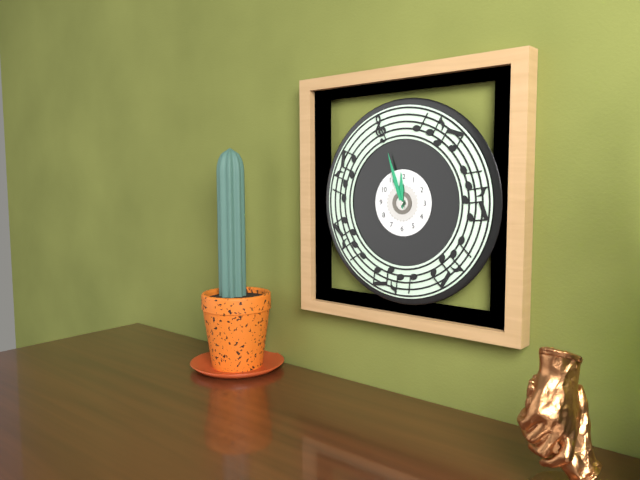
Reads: 11:57
